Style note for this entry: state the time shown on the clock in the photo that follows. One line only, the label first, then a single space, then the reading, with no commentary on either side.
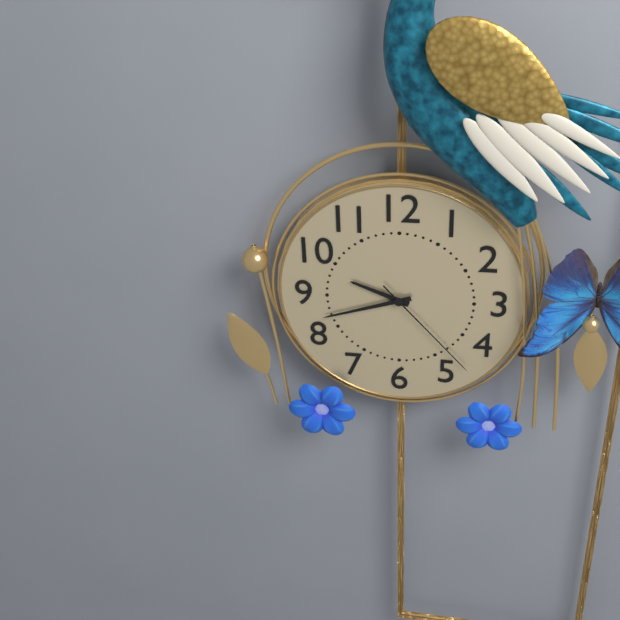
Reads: 9:42:23
